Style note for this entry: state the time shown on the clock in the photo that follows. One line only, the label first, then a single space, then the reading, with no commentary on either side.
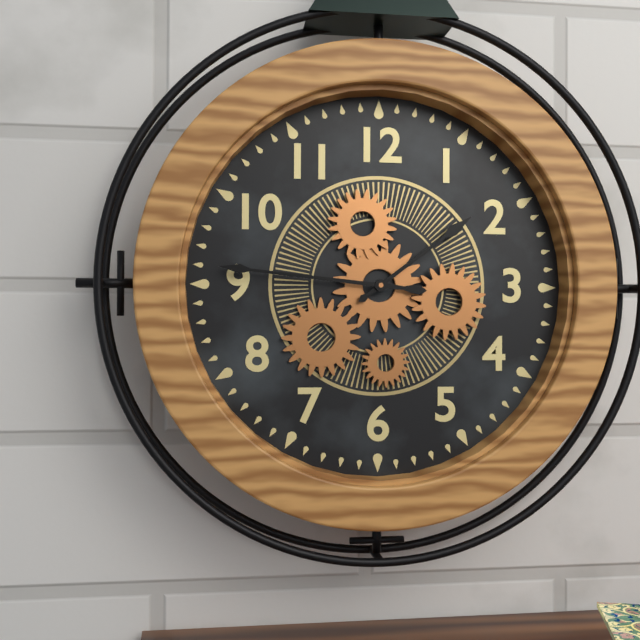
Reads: 1:46
